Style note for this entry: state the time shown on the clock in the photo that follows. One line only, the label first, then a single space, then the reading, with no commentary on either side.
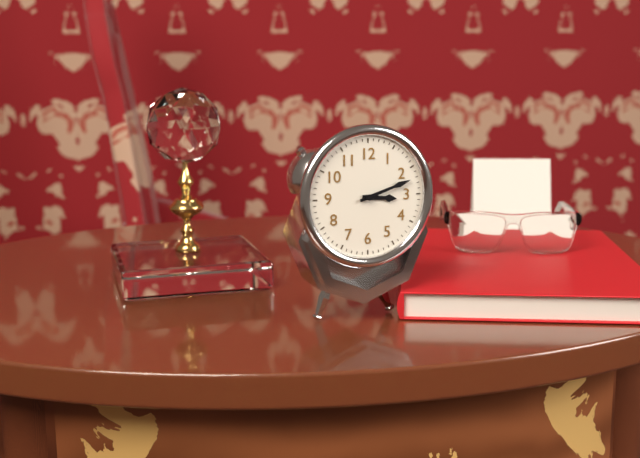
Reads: 3:12
